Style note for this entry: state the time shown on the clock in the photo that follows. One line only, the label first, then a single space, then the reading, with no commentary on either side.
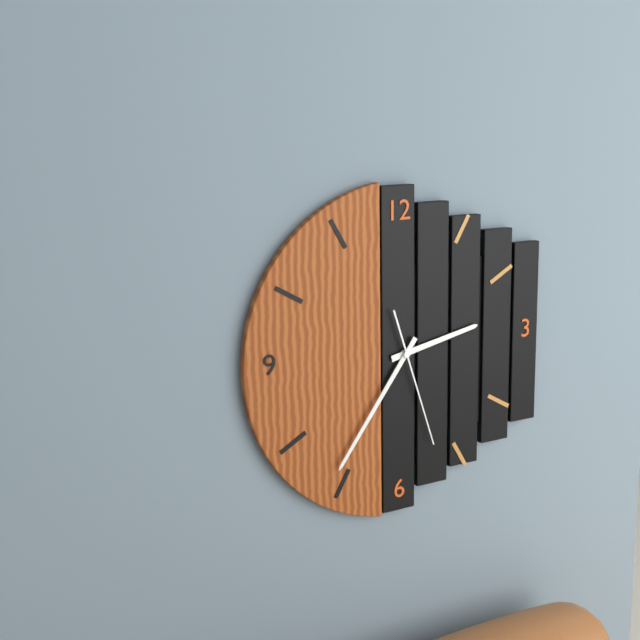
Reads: 2:36:27
